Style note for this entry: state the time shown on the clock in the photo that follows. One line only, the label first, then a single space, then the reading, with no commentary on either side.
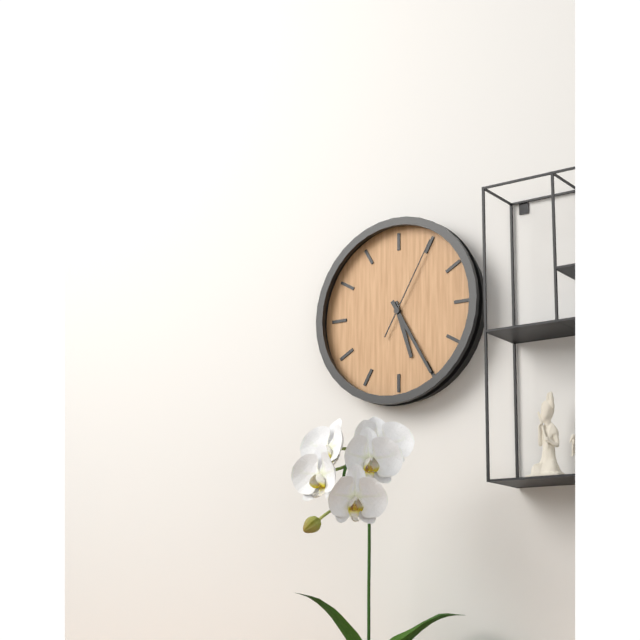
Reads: 5:25:05
